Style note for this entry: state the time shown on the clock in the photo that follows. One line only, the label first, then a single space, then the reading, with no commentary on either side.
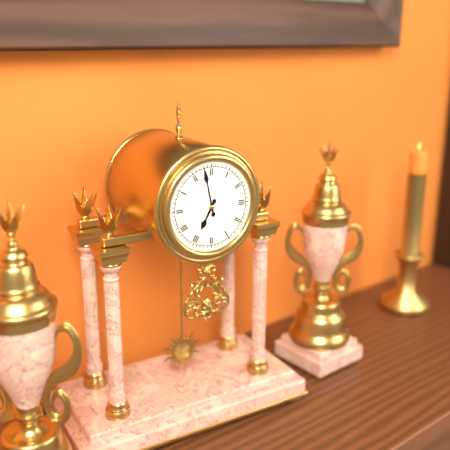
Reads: 6:58
